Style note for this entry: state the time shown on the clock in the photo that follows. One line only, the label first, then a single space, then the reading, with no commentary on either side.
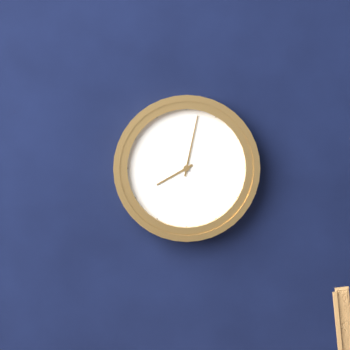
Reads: 8:02
